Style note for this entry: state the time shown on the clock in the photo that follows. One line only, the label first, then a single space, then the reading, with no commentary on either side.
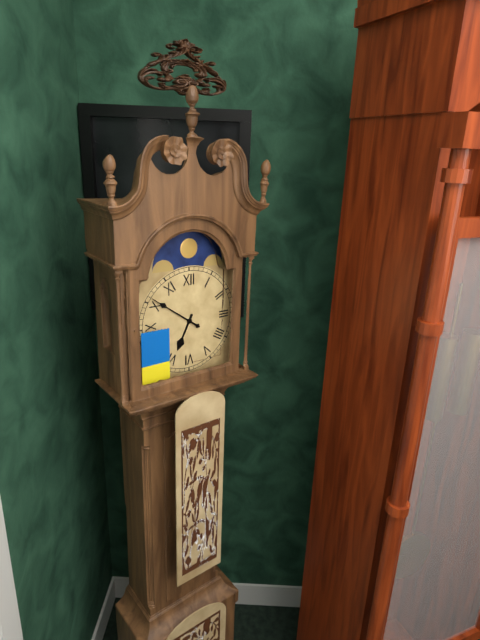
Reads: 6:51
